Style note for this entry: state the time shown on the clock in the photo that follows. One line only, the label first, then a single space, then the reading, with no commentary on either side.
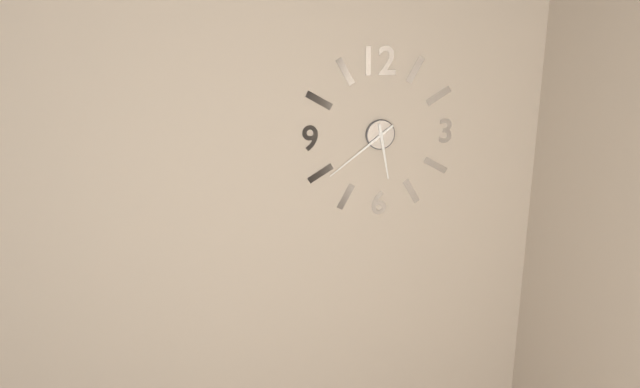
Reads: 5:39
